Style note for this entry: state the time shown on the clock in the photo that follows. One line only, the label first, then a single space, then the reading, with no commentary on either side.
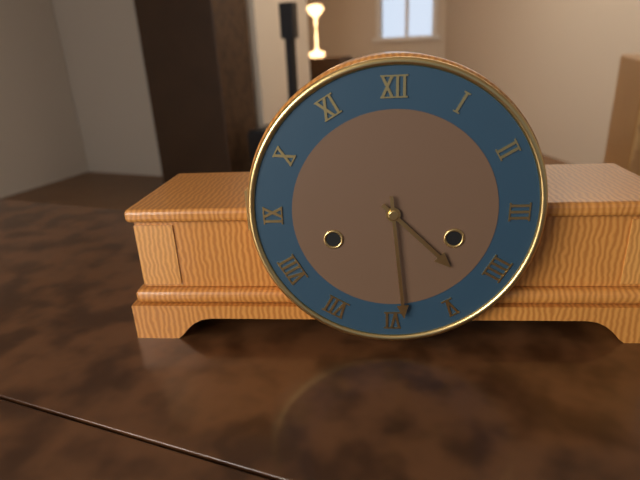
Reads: 4:29
